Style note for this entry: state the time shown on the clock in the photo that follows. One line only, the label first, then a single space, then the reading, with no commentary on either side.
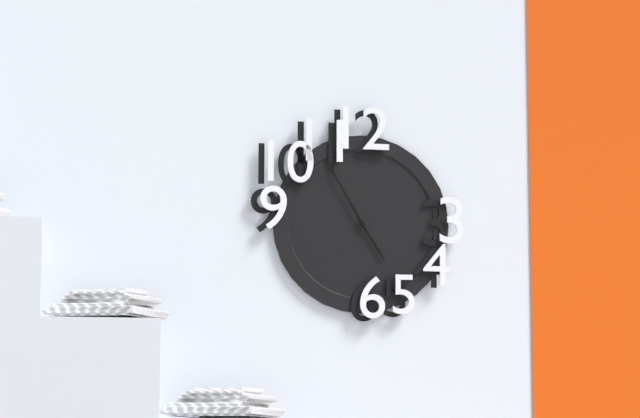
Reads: 4:55
